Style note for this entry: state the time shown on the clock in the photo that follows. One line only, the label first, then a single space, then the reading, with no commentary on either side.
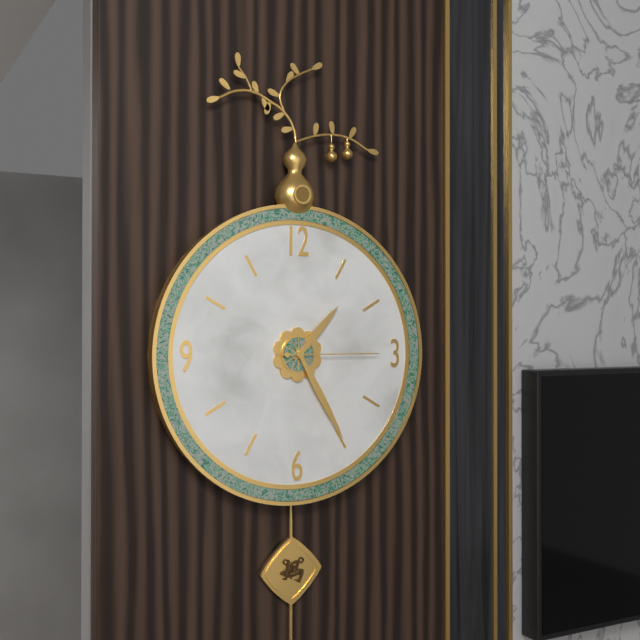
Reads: 1:25:15
